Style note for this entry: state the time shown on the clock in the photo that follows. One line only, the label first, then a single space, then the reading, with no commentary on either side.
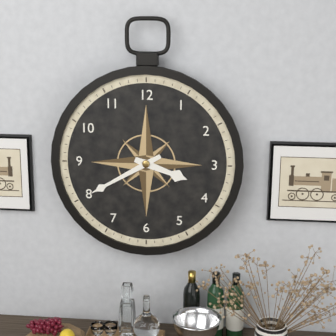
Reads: 3:40
